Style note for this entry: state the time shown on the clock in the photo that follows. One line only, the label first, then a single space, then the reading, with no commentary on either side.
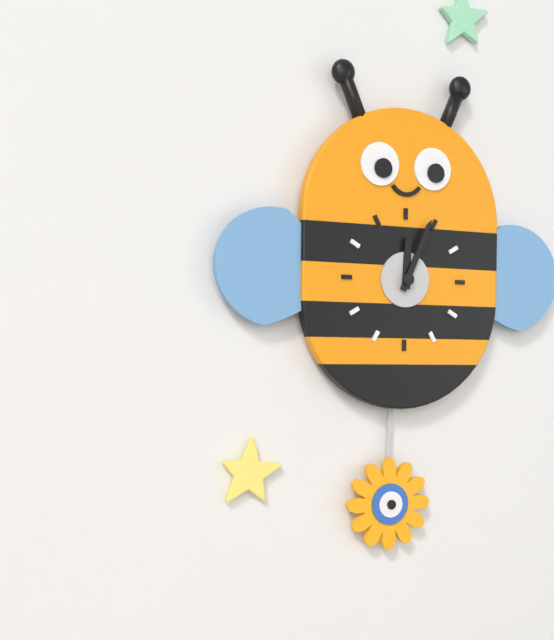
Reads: 12:04
